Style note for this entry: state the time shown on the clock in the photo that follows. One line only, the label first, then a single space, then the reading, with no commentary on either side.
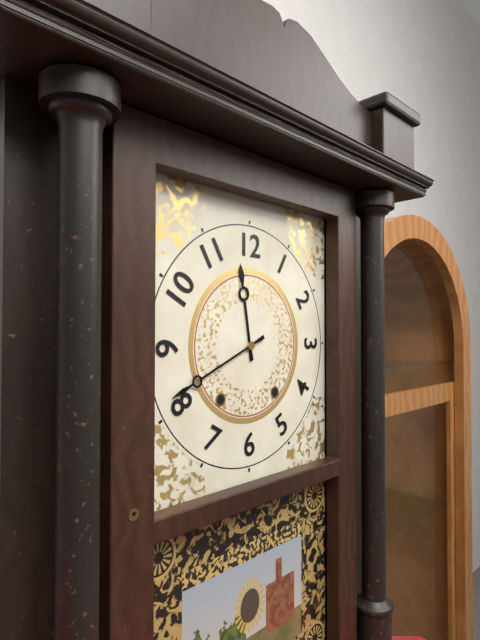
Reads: 11:41
